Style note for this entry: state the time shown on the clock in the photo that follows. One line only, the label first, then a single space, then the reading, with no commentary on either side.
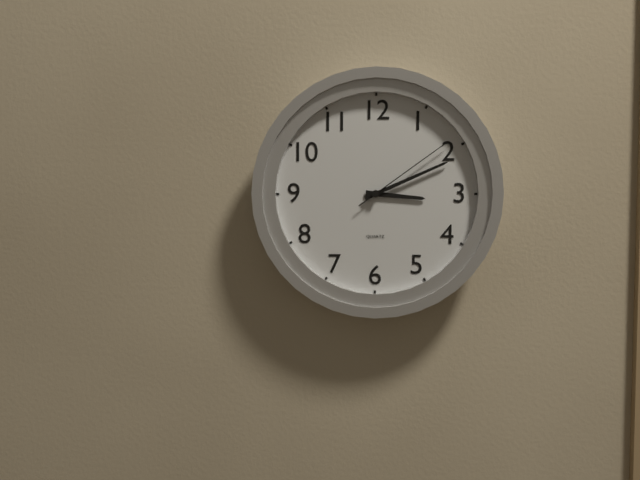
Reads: 3:11:09
